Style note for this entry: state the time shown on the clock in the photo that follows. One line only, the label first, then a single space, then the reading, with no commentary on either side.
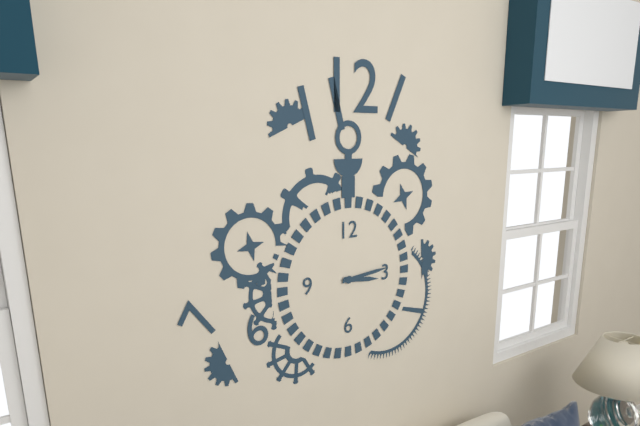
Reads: 3:14
